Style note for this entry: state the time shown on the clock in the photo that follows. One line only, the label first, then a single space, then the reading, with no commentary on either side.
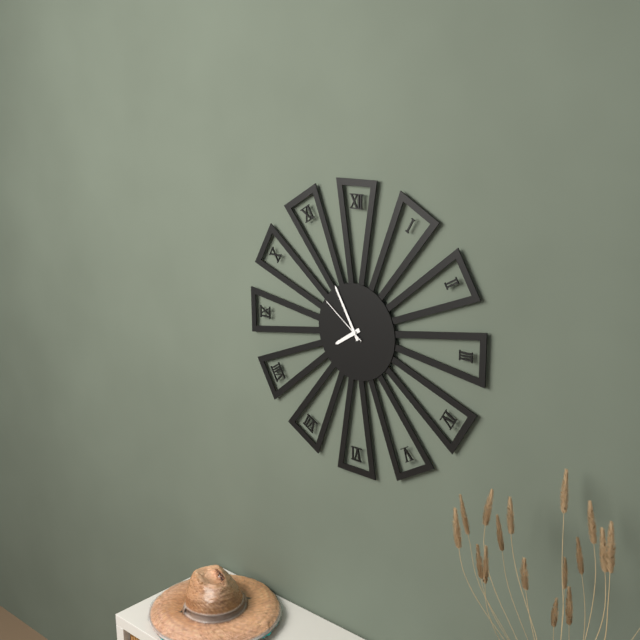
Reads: 7:55:51
